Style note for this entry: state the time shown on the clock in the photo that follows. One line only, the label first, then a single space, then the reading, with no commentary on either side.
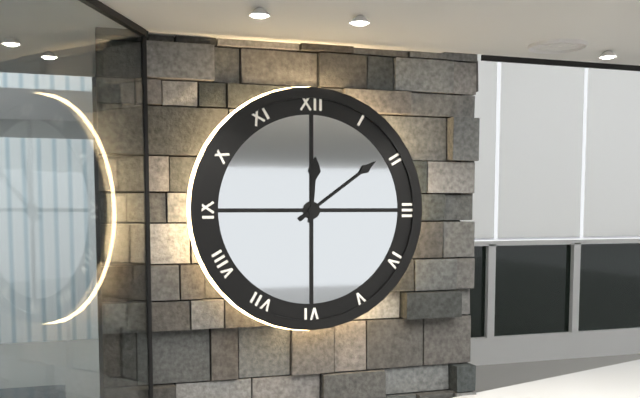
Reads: 12:09
